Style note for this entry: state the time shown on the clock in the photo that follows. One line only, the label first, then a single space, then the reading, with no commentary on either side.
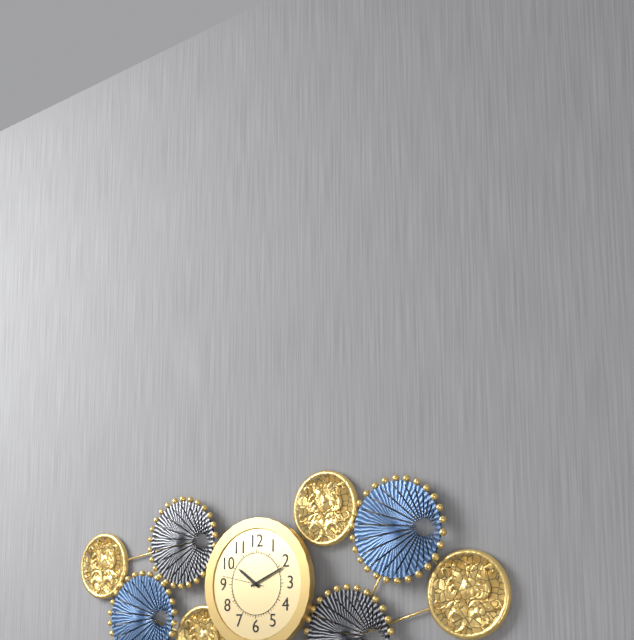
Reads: 10:11
